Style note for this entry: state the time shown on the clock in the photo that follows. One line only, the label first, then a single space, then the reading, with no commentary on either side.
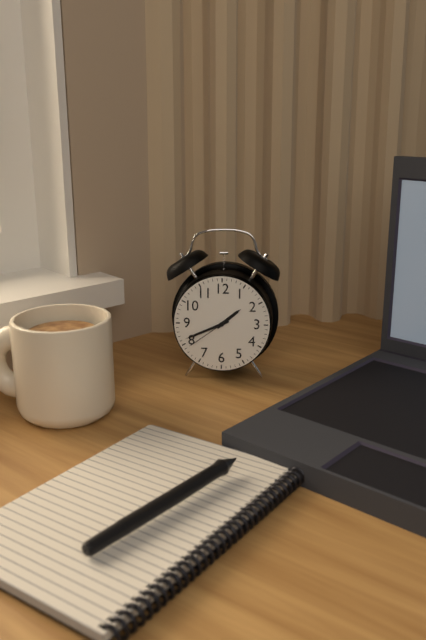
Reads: 1:41:39
